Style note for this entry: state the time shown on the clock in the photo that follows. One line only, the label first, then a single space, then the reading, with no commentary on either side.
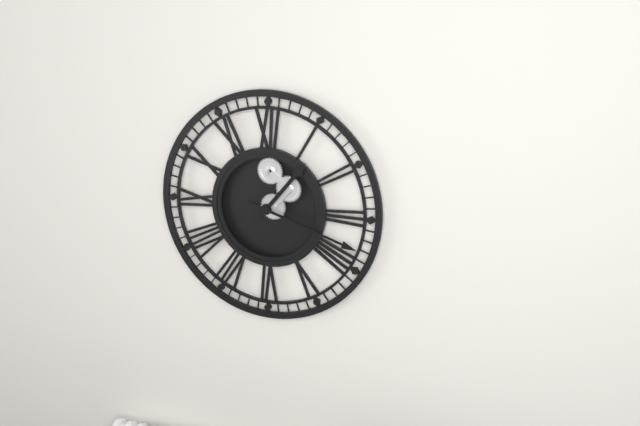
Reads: 1:18
